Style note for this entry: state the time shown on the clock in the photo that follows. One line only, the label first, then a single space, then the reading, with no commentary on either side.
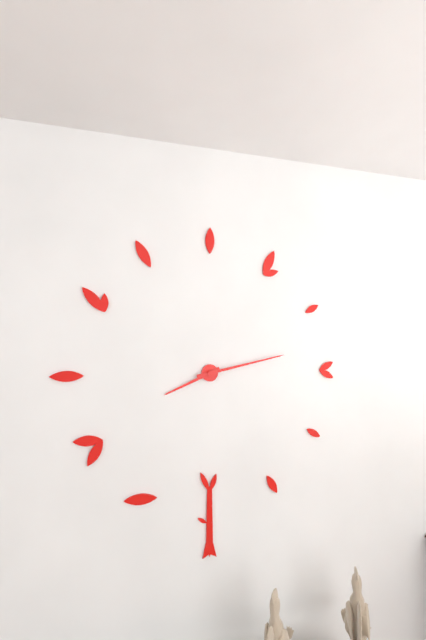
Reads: 8:13
